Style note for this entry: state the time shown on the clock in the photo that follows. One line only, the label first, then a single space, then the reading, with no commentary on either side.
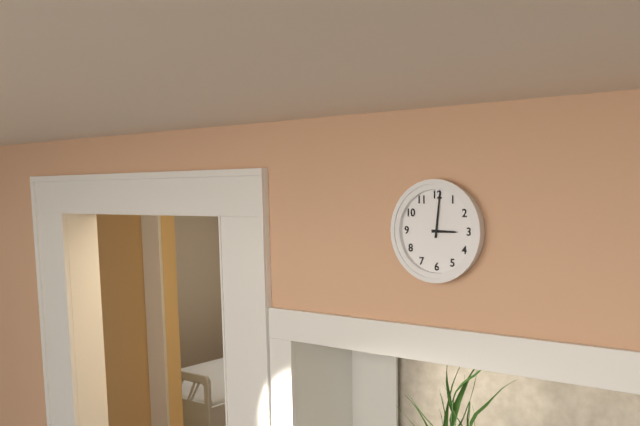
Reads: 3:01
